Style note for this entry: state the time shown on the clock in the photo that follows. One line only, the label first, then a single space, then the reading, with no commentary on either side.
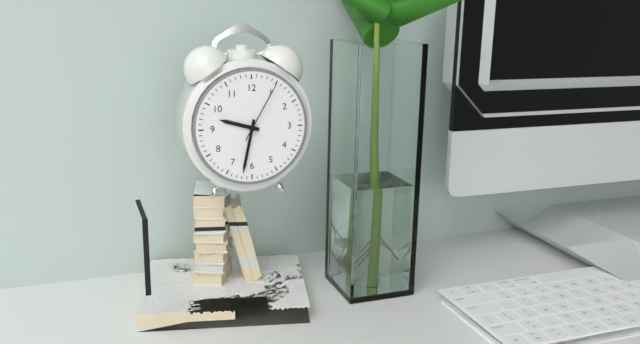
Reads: 9:32:05
